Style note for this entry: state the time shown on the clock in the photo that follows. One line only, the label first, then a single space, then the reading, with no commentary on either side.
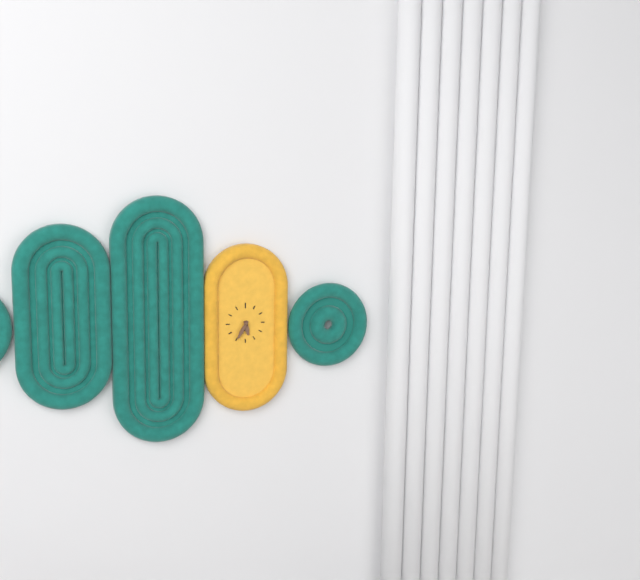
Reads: 5:35
